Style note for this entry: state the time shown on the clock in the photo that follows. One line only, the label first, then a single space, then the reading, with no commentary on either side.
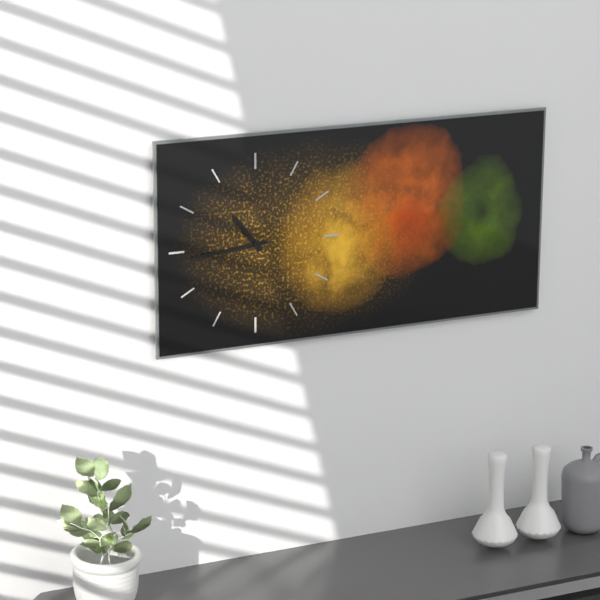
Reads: 10:44
